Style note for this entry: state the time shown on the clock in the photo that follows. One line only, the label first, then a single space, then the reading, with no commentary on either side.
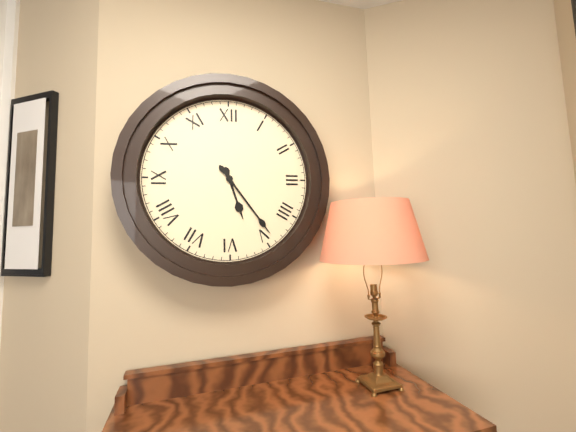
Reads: 5:24
